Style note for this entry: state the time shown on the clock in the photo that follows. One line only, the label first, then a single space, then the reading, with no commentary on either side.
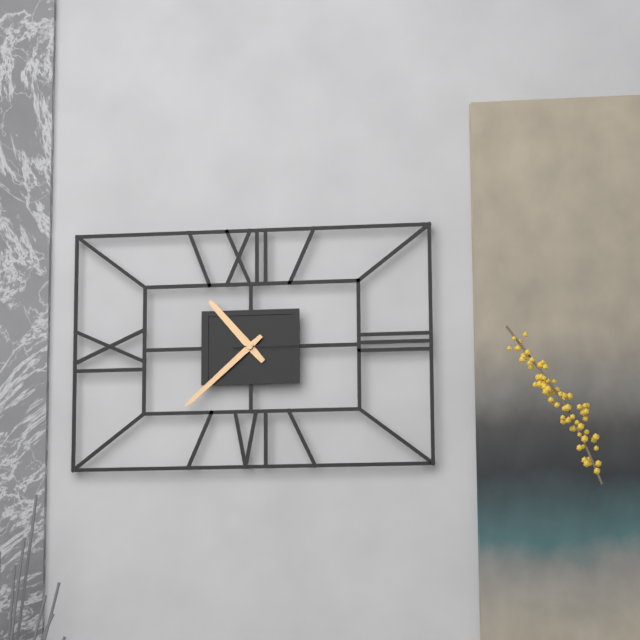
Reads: 10:38:15
